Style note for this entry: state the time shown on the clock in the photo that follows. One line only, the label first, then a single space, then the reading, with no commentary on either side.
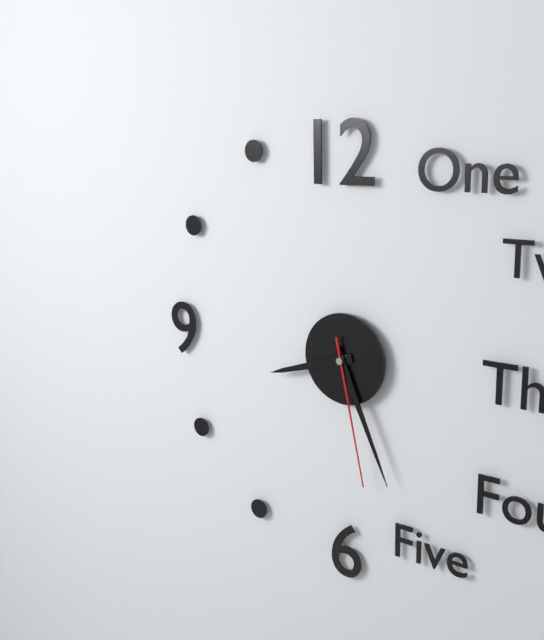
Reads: 8:26:28
